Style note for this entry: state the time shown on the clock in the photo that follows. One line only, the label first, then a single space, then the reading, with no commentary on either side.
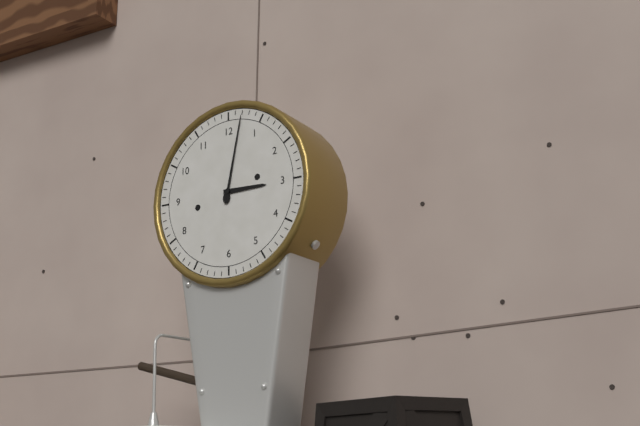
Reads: 3:02
